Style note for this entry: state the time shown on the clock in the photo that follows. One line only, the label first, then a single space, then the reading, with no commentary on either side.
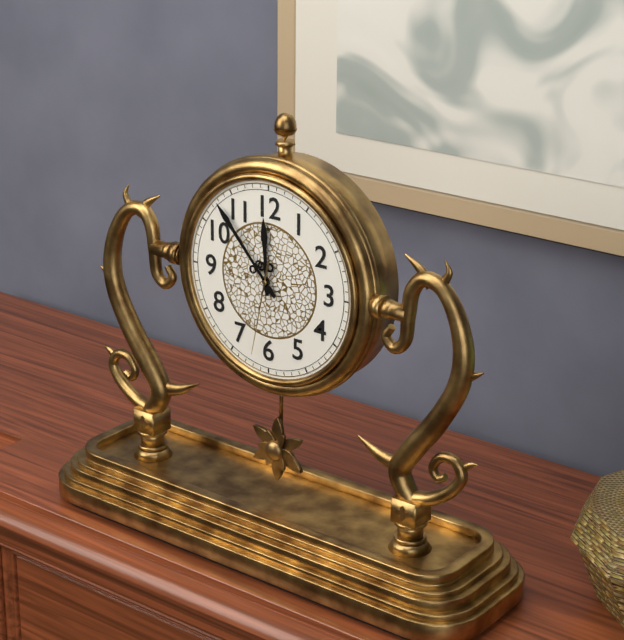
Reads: 11:53:32
